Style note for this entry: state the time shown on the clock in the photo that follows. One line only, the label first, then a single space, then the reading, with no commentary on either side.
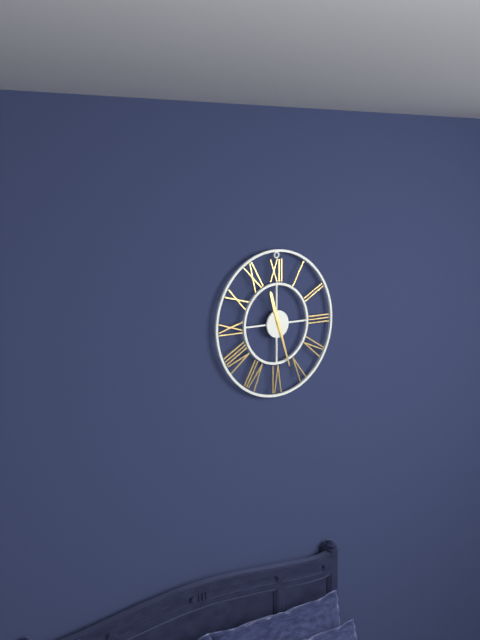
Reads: 11:27
